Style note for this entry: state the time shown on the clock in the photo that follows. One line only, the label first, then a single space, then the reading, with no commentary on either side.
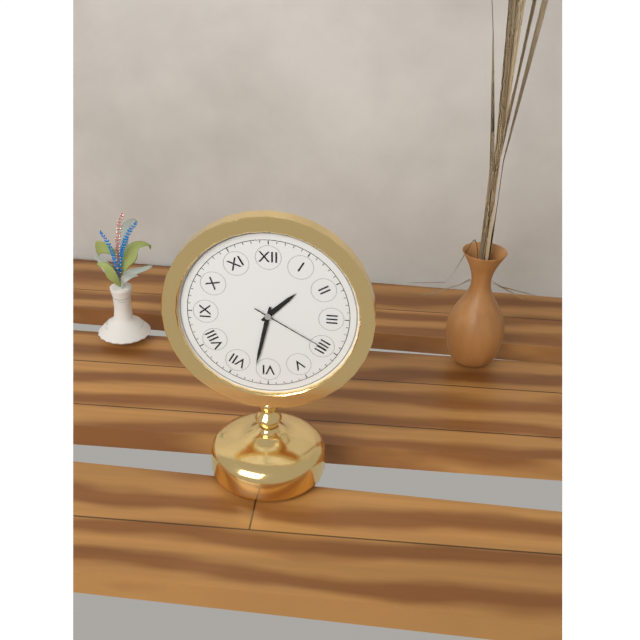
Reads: 1:32:20
